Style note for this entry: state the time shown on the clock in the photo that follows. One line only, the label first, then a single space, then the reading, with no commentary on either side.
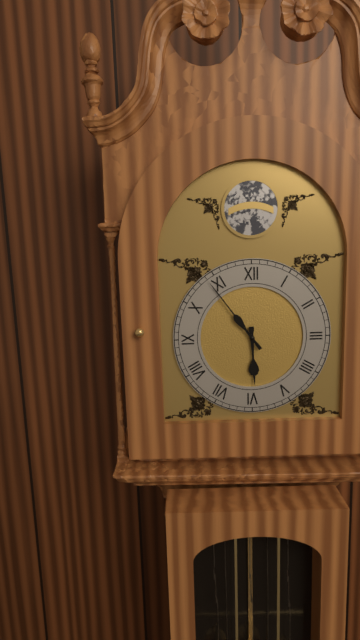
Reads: 5:54
